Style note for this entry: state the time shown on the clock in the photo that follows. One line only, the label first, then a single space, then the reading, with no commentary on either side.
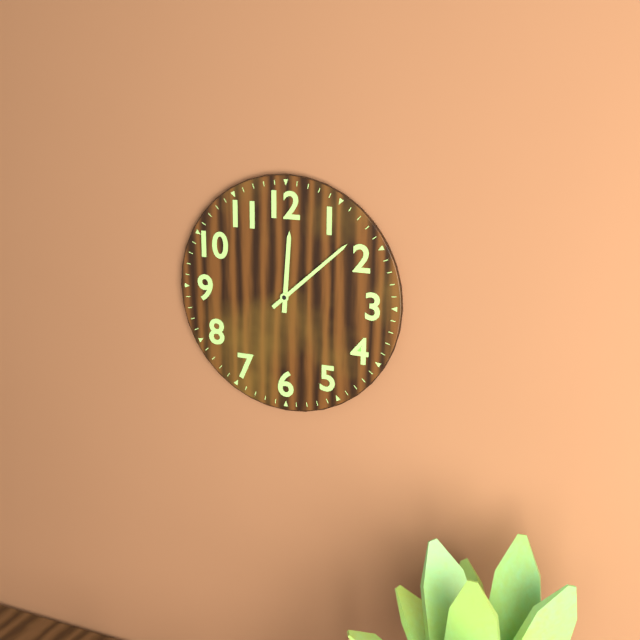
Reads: 12:08
